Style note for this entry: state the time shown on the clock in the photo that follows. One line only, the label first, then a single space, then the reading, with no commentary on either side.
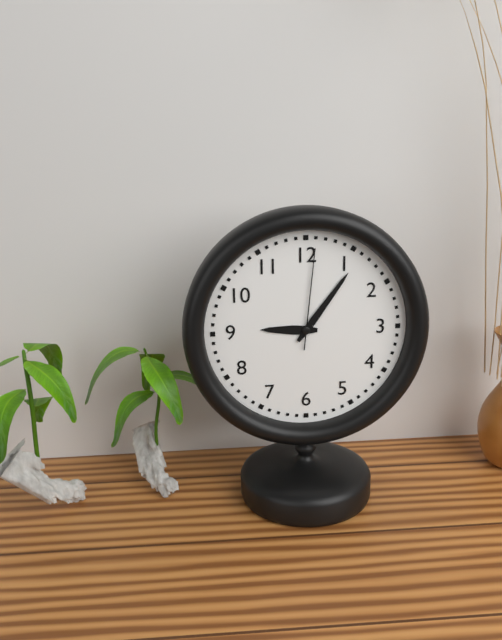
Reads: 9:06:01
